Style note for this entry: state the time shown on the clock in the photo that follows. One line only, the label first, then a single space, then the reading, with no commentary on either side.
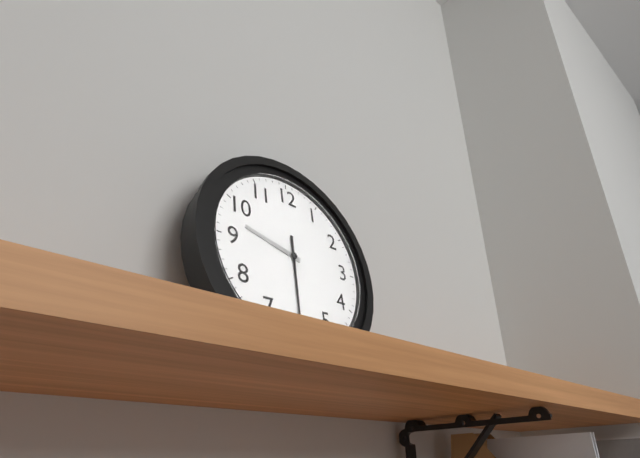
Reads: 9:30
